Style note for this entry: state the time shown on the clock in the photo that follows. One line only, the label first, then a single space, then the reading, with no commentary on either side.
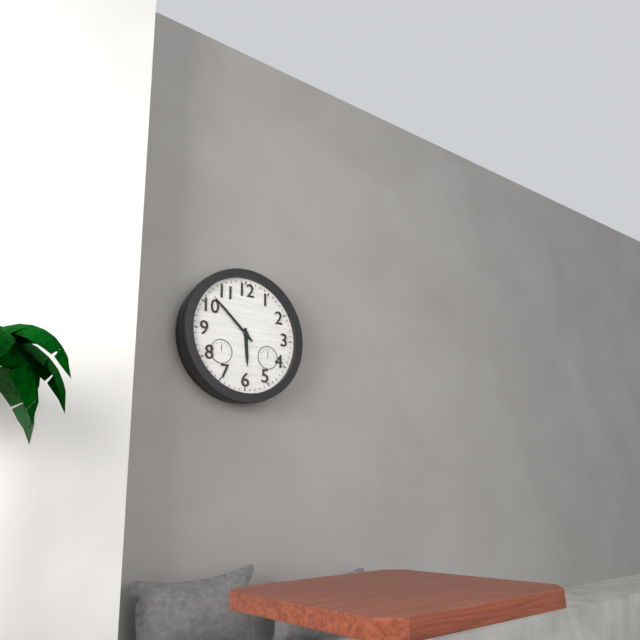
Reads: 5:52
